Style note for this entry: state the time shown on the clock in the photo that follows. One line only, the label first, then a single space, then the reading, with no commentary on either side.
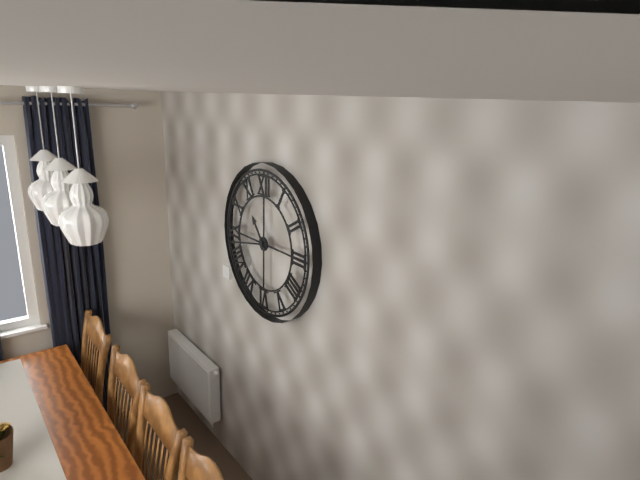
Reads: 10:43
